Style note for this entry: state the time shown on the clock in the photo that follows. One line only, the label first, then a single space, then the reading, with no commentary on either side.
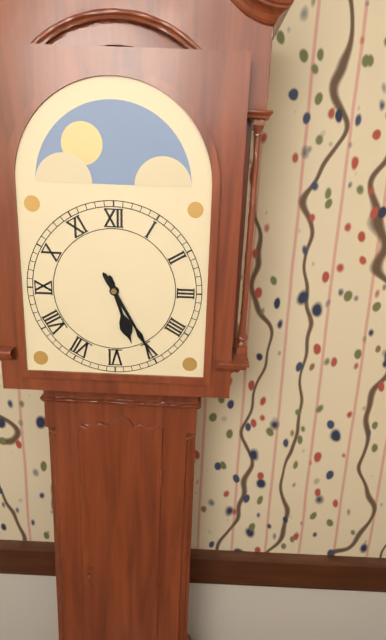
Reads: 5:25
